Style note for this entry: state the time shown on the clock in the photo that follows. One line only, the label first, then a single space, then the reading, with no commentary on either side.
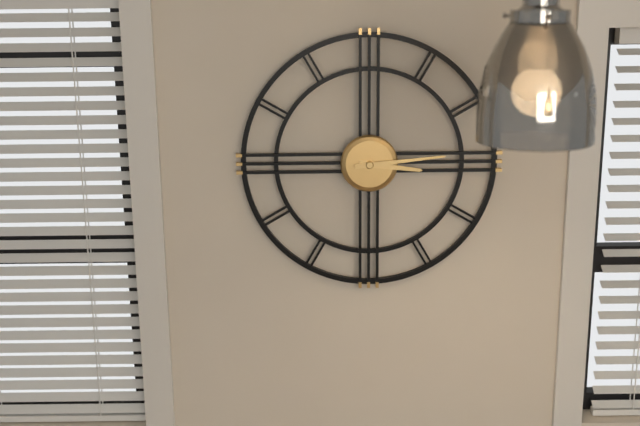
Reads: 3:14
